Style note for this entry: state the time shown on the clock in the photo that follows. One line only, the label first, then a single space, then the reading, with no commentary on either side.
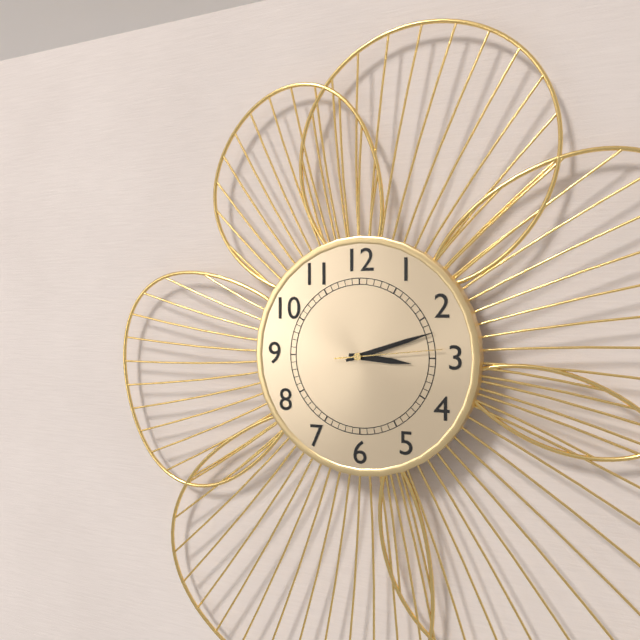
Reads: 3:12:14
